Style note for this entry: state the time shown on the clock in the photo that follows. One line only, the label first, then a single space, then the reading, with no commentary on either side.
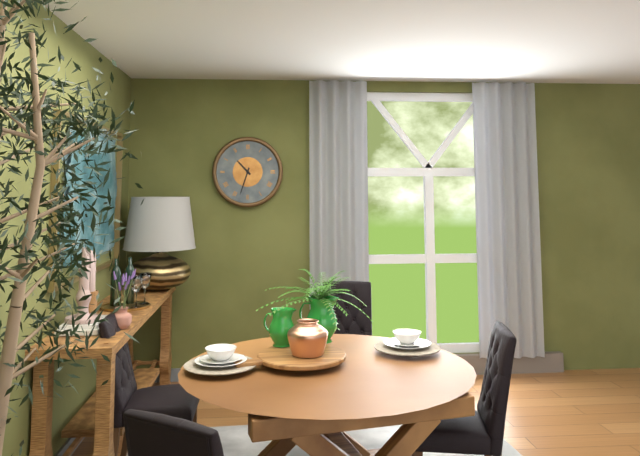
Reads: 10:33
